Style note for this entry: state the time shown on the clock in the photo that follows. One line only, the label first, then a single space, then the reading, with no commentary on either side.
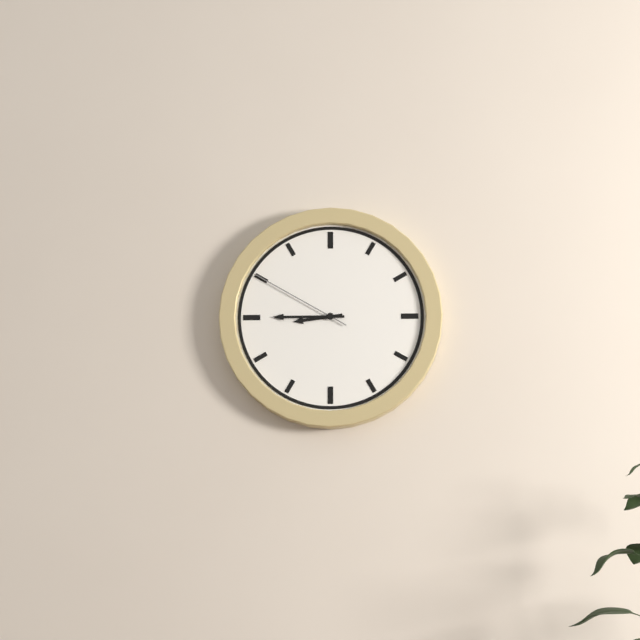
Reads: 8:45:50
